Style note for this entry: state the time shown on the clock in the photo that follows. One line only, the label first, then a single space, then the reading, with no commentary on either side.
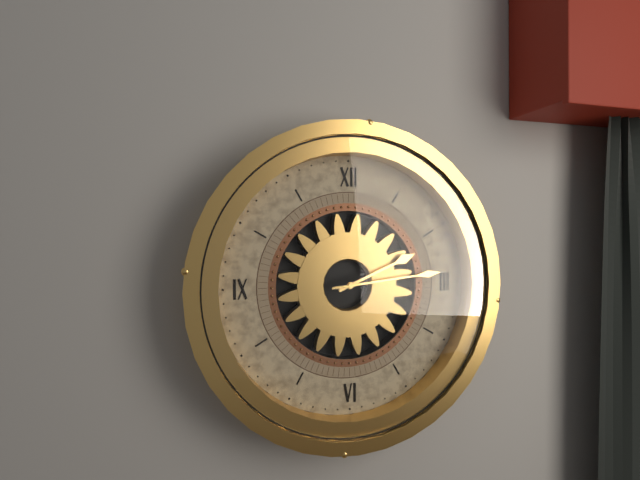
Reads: 2:14
